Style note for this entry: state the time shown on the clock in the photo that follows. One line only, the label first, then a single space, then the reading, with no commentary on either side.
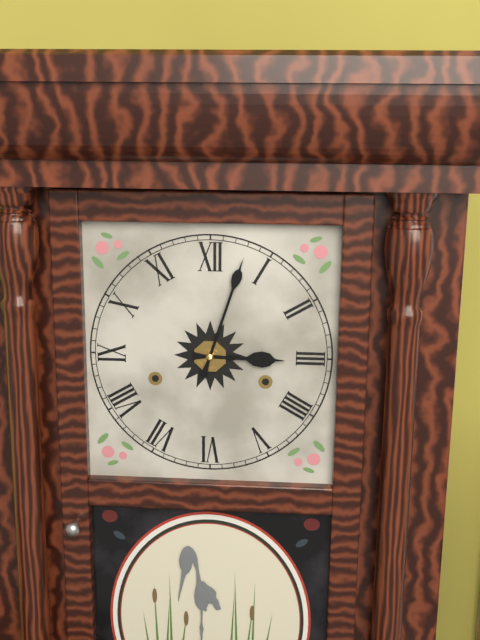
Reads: 3:03
